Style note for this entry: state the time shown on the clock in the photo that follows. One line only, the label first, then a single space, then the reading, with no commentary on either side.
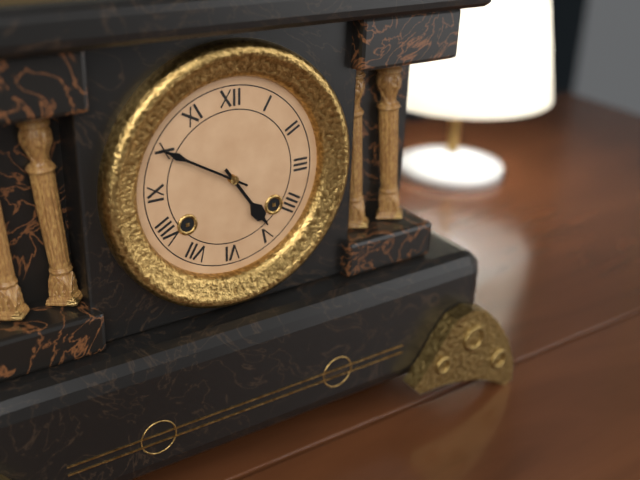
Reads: 4:50
